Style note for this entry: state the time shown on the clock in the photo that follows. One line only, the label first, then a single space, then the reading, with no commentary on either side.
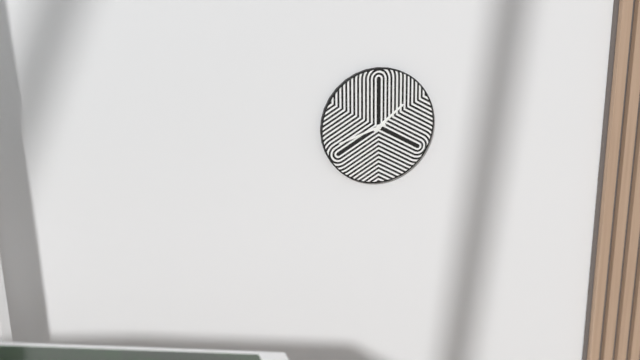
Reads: 1:42
